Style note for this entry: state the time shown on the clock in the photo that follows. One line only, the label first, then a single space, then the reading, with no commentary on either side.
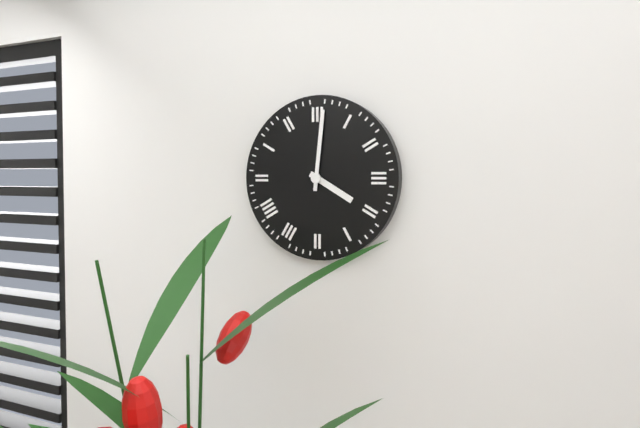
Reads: 4:01
